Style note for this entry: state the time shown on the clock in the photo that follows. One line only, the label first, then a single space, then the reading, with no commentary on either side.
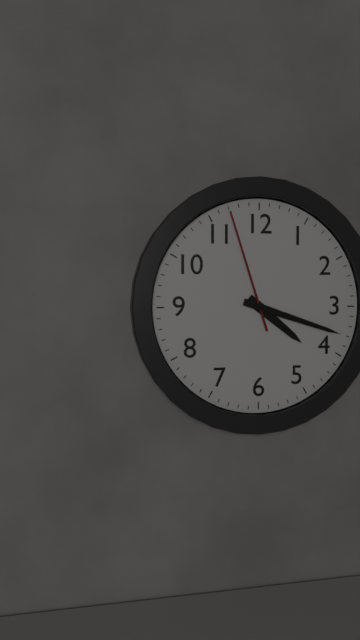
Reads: 4:18:57
